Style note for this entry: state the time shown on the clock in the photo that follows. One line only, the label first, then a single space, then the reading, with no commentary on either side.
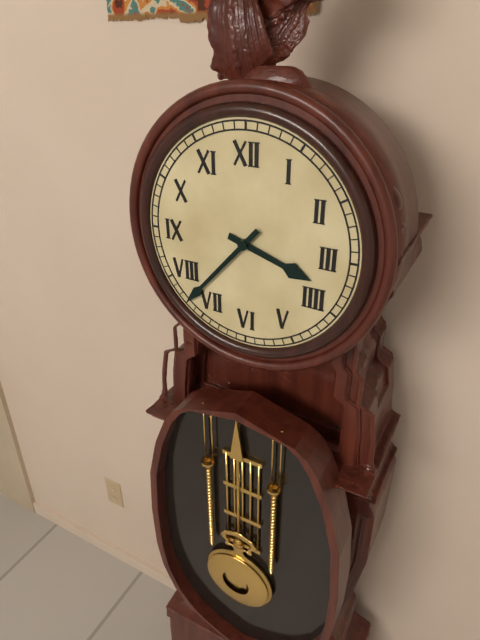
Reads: 3:37
